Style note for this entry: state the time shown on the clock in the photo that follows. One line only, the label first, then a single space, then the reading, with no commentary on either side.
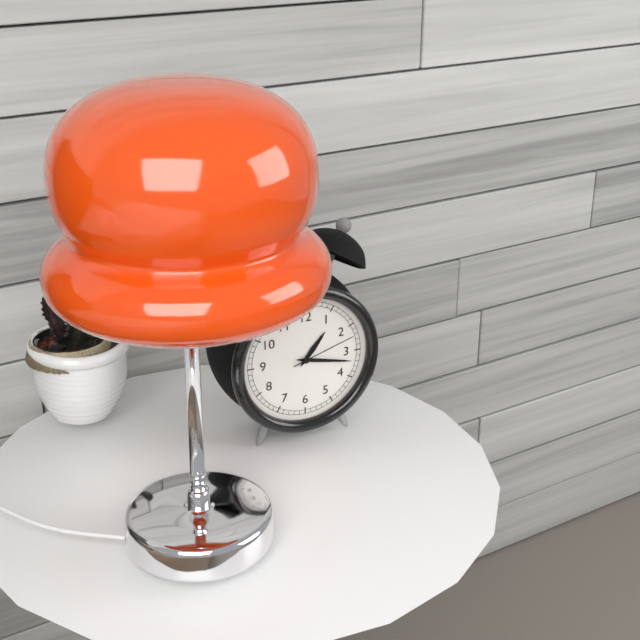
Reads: 1:17:12
